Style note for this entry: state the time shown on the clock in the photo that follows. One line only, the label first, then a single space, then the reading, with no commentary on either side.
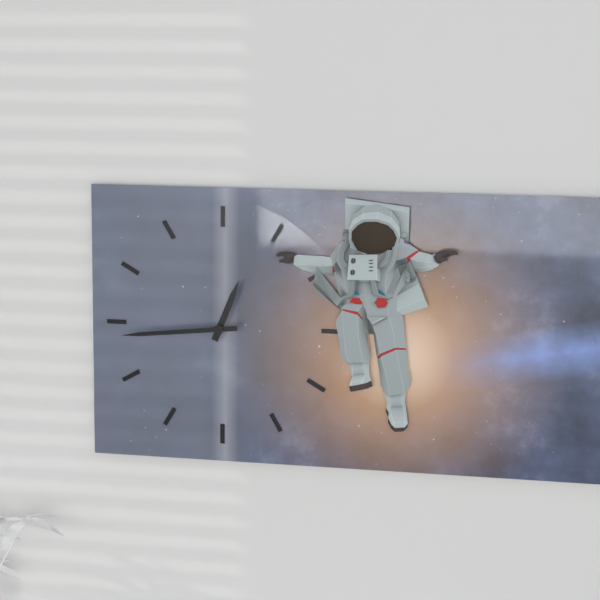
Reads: 12:44
